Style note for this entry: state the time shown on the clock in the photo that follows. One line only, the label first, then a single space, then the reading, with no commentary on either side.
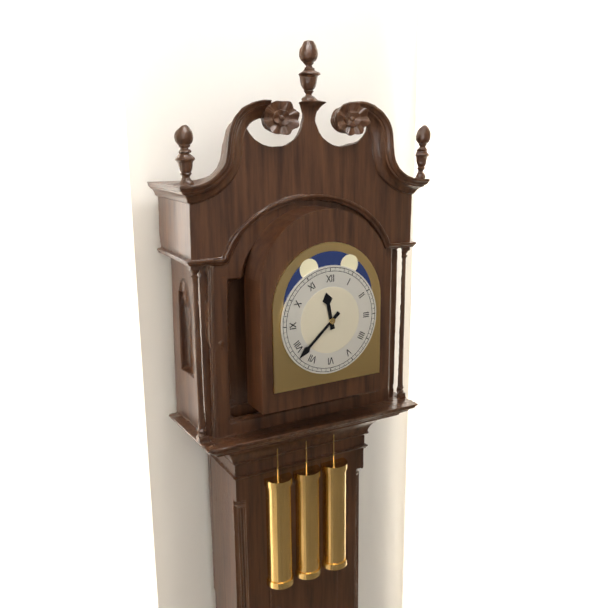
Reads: 11:38
